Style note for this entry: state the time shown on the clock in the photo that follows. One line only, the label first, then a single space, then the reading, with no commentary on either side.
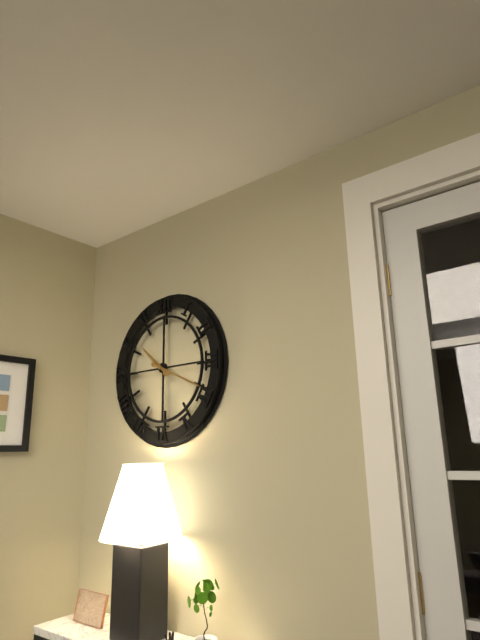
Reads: 10:19
